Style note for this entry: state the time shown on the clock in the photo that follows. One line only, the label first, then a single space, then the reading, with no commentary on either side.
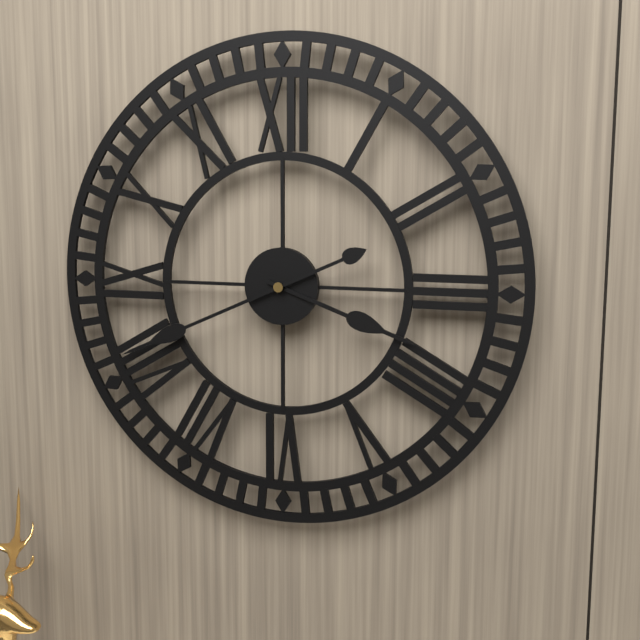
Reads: 3:41
